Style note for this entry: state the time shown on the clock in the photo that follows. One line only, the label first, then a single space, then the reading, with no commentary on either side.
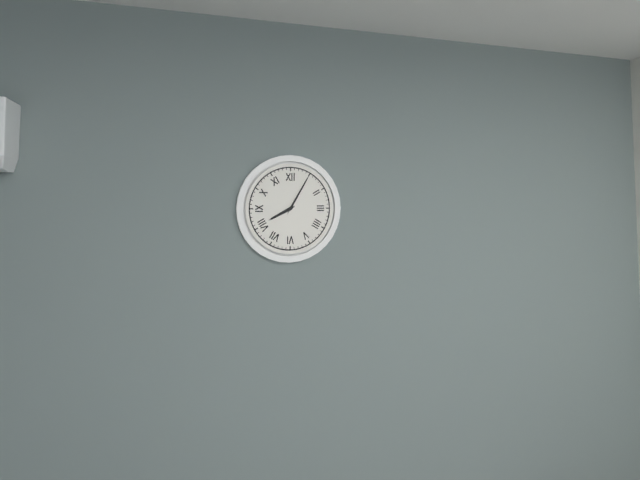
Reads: 8:05
